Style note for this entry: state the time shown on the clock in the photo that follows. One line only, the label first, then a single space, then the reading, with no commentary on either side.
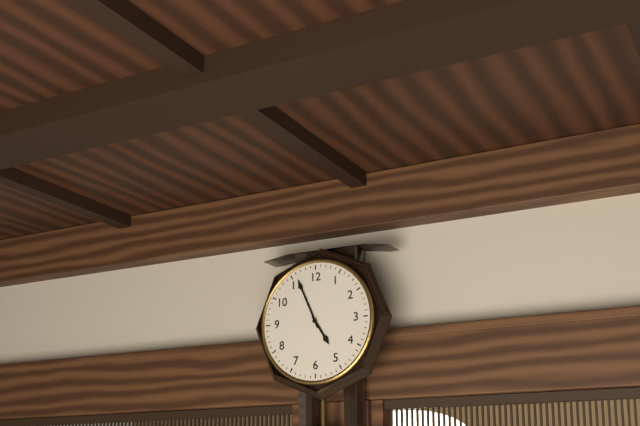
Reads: 4:56
